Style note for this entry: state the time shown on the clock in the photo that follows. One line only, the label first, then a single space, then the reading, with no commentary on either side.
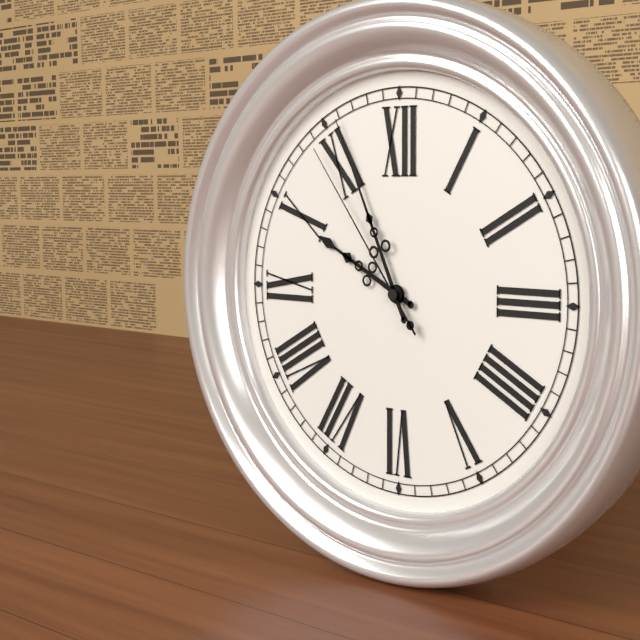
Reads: 9:56:54
